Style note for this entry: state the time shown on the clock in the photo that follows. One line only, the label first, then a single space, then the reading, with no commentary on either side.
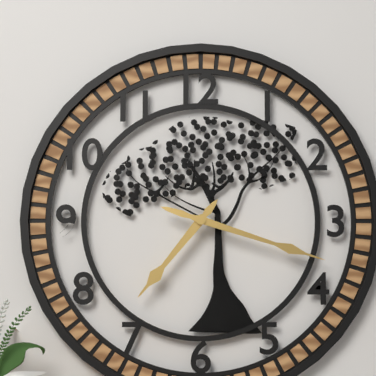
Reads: 7:18
